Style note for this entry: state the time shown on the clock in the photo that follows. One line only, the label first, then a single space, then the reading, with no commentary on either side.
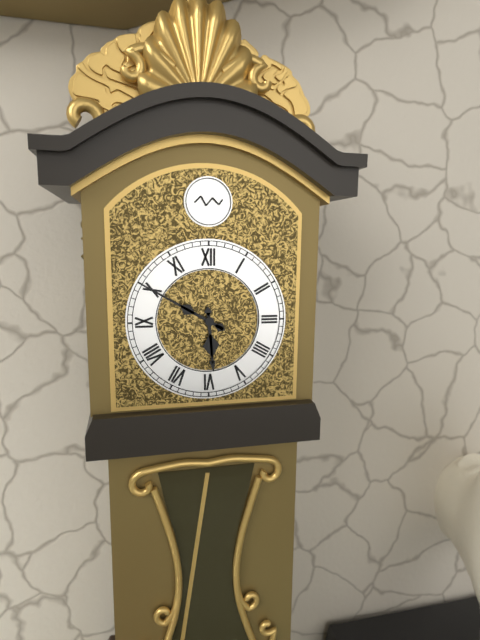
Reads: 5:50
